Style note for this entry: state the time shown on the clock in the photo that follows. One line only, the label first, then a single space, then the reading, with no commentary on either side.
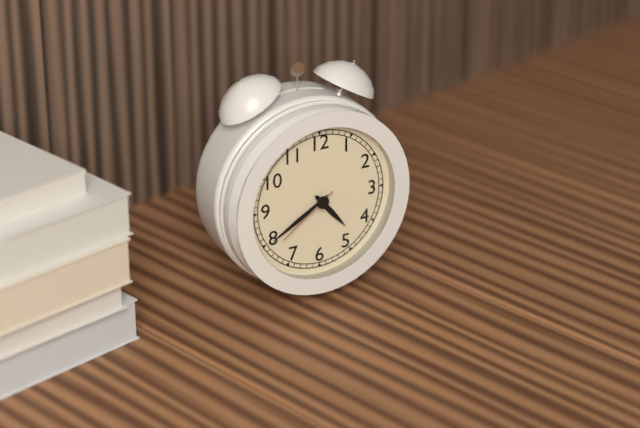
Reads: 4:40:39
